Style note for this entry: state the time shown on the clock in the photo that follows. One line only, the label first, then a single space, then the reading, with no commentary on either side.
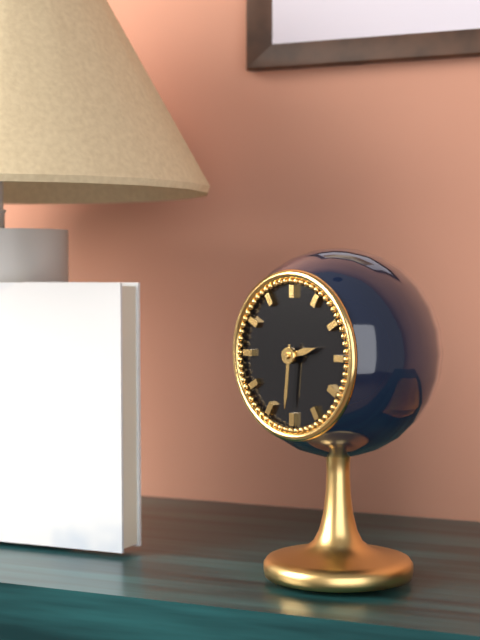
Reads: 2:31
